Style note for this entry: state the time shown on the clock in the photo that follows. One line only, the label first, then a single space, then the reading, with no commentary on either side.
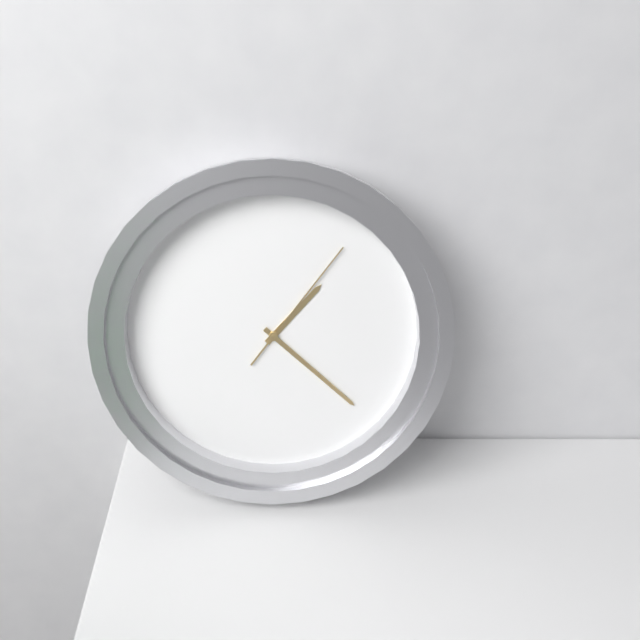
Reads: 1:22:06
